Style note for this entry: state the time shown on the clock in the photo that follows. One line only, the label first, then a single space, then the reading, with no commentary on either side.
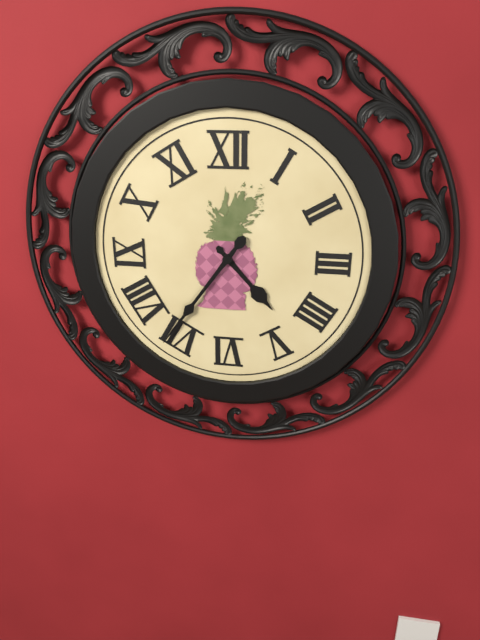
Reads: 4:36
